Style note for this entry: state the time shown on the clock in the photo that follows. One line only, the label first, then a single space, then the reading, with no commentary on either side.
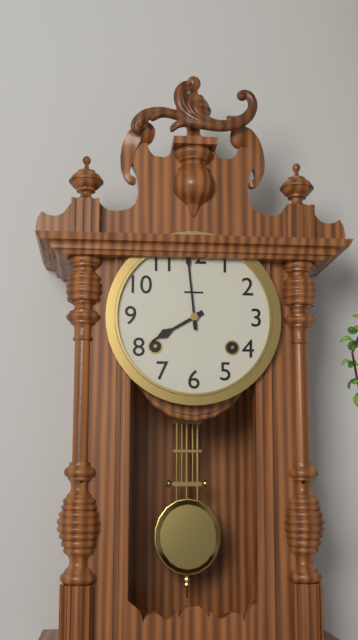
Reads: 7:59
